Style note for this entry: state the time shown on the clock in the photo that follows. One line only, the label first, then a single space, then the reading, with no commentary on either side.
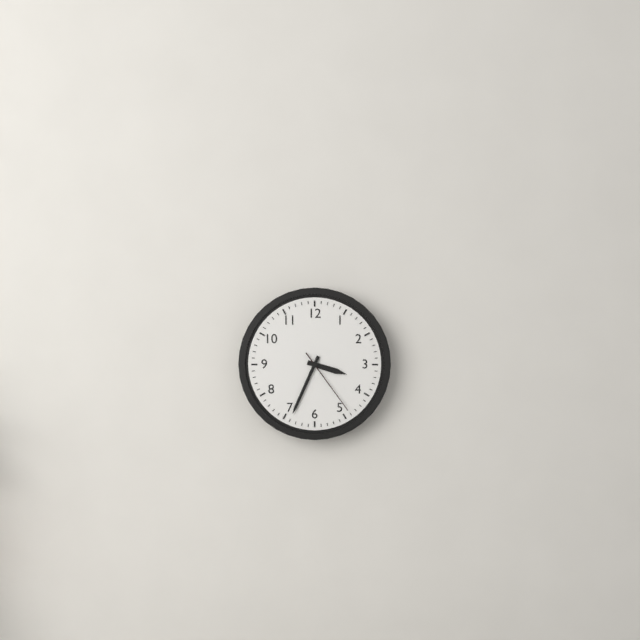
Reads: 3:34:24
